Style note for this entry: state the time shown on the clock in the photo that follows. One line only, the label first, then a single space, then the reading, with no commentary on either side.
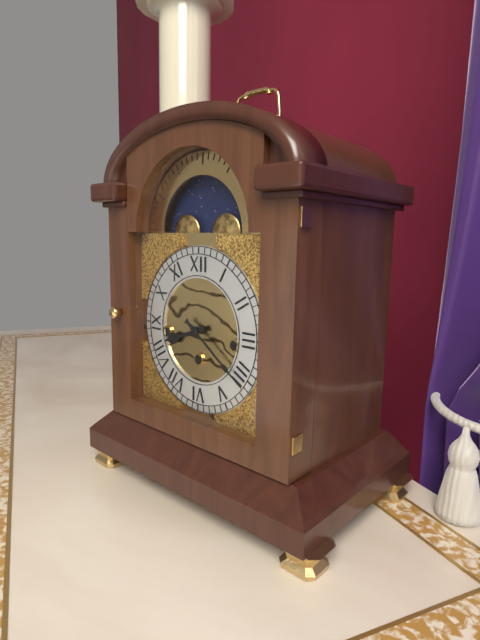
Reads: 8:21
